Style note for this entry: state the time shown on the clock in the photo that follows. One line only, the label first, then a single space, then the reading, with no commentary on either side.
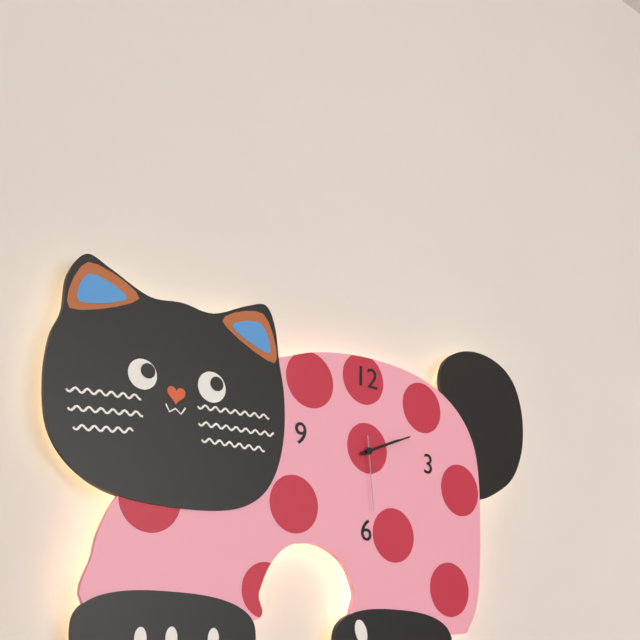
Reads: 2:11:29
